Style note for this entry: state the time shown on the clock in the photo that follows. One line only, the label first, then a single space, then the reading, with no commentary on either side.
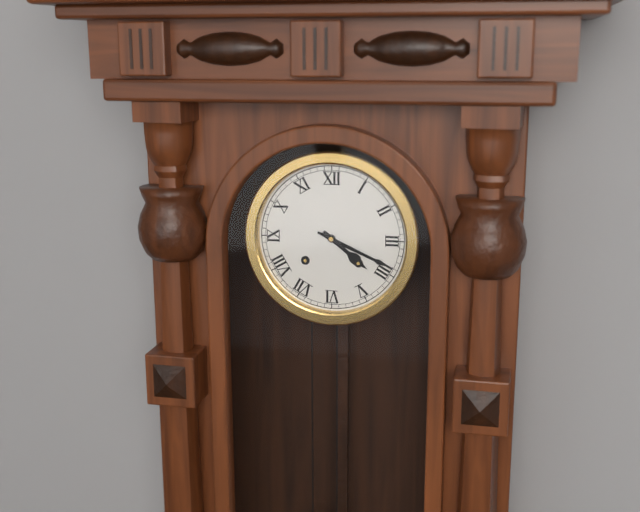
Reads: 4:19
